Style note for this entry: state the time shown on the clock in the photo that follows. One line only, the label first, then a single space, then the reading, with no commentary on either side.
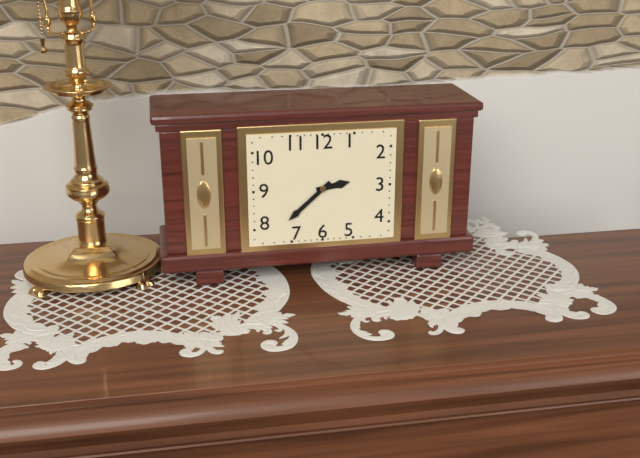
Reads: 2:38
